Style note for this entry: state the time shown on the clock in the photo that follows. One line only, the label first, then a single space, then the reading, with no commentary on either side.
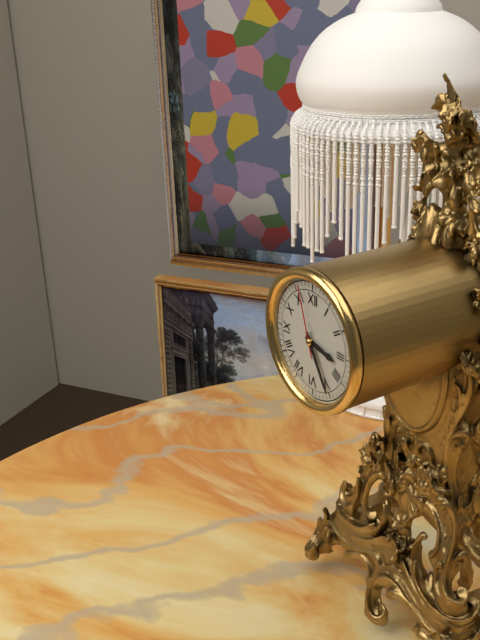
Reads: 3:25:57
